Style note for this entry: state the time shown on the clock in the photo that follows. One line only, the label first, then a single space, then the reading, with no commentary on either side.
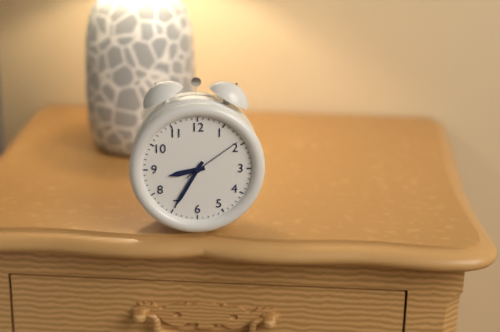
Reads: 8:35:09
